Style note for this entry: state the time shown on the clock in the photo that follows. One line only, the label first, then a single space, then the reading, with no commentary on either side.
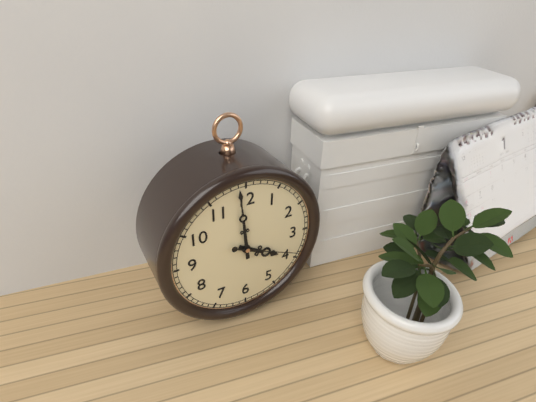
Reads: 3:59:19
